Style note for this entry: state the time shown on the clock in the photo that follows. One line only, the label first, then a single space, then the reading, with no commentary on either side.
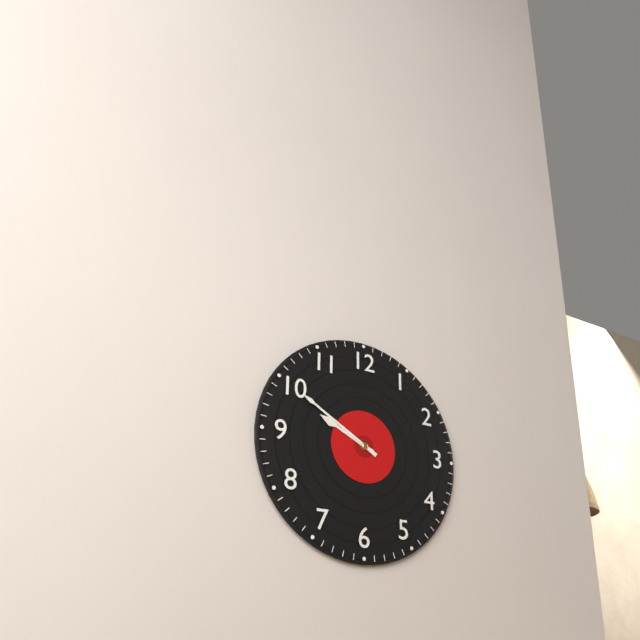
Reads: 9:50
